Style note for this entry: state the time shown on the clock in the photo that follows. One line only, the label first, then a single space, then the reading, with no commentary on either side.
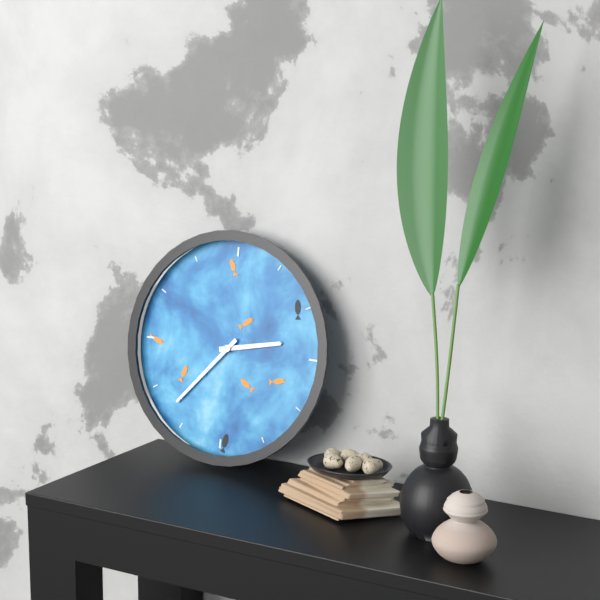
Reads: 2:37
